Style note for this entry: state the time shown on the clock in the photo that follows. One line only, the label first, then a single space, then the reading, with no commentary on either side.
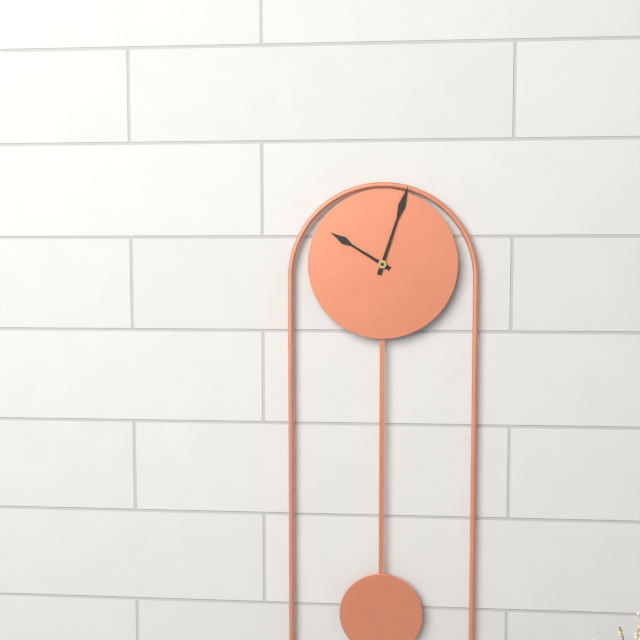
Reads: 10:03
